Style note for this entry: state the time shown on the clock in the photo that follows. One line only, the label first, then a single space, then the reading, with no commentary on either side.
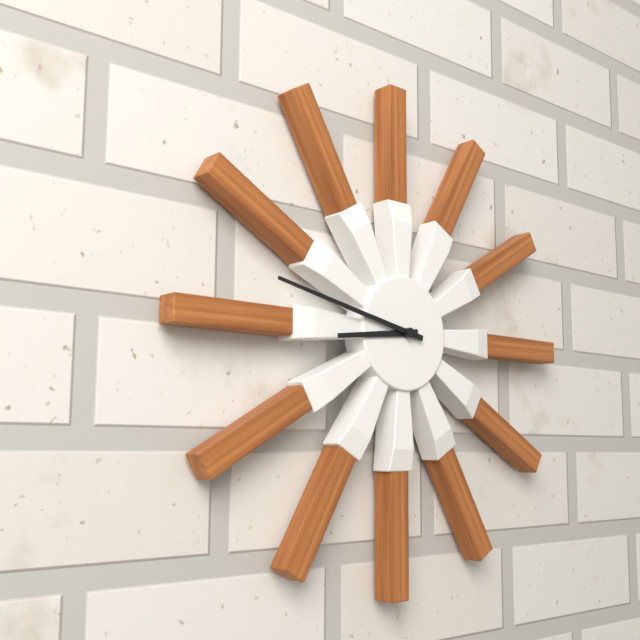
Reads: 8:47
